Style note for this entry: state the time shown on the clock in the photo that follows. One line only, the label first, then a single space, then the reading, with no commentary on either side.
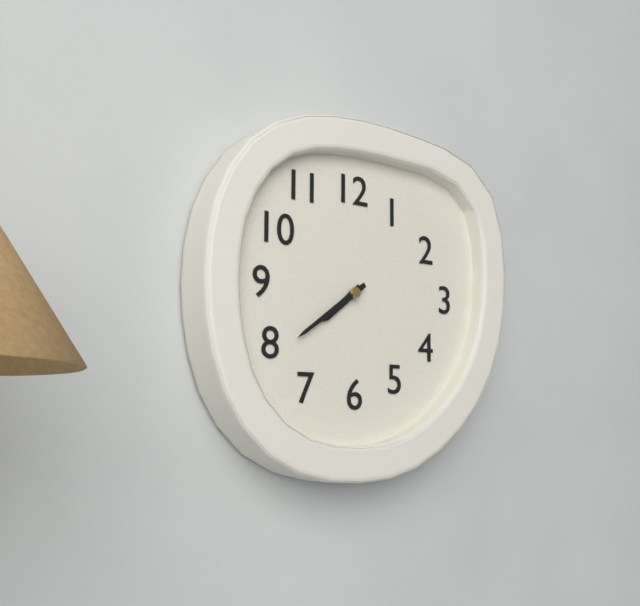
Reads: 7:39
